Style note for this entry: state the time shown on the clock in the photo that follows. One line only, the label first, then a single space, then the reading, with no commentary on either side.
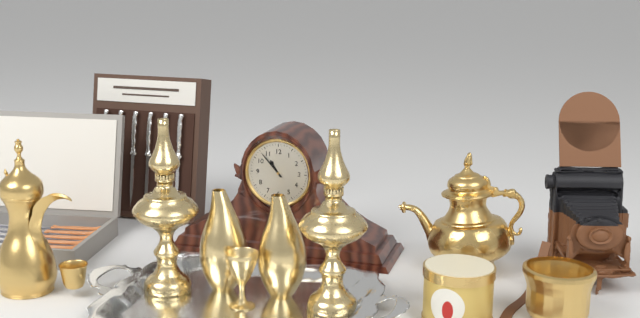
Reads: 10:53
